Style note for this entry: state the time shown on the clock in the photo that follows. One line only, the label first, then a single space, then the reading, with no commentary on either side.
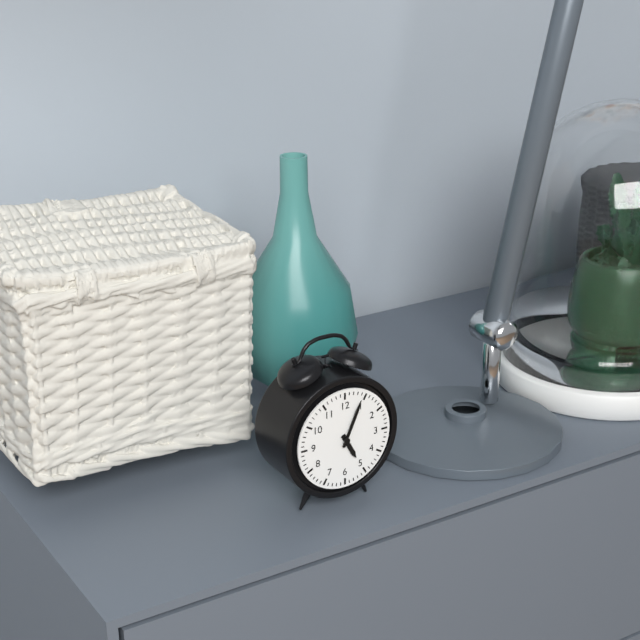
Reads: 5:04
